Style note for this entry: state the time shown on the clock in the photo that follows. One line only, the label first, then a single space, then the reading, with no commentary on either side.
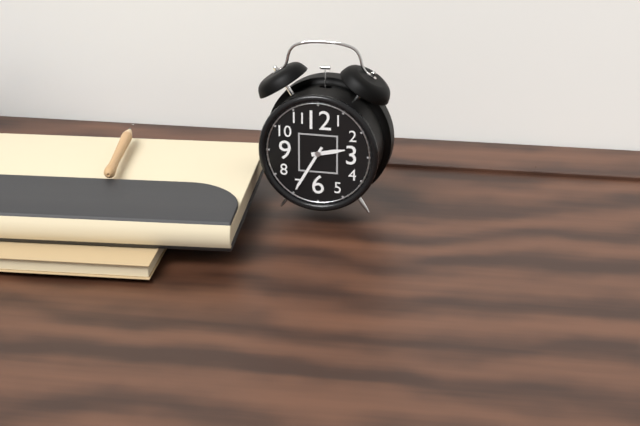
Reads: 2:35
